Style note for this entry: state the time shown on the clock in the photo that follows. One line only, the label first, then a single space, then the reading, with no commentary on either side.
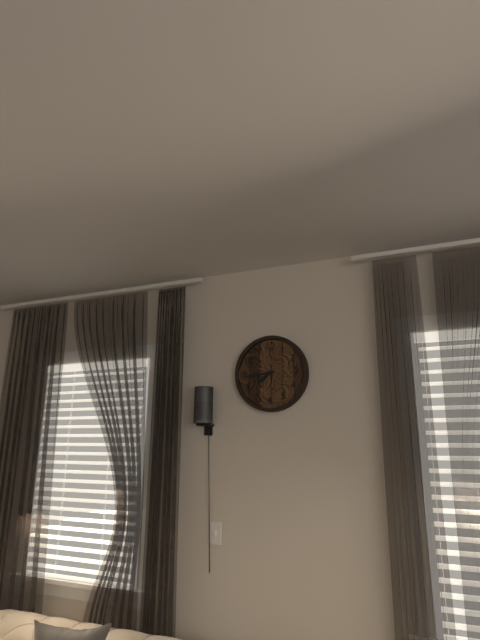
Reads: 7:44
